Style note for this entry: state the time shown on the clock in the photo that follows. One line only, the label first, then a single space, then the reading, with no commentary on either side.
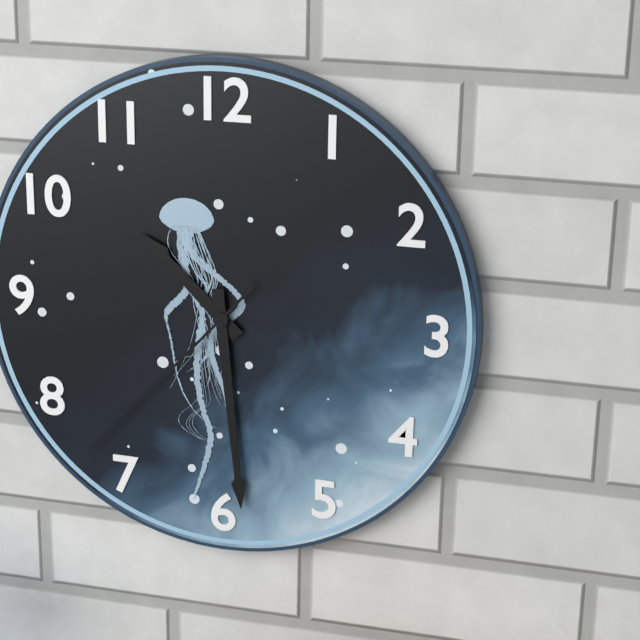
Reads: 10:29:37
